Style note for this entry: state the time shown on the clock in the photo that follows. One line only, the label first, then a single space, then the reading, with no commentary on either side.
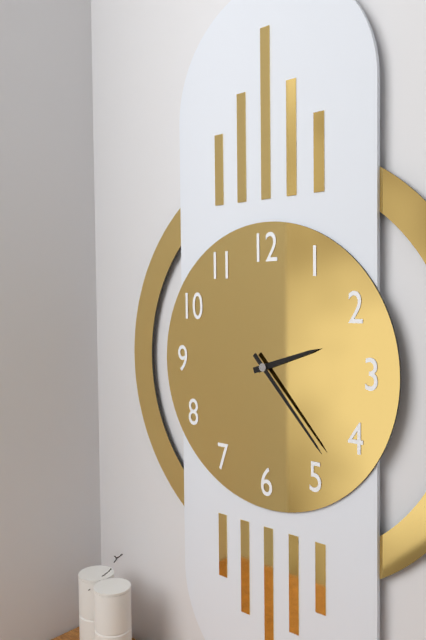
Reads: 2:23
